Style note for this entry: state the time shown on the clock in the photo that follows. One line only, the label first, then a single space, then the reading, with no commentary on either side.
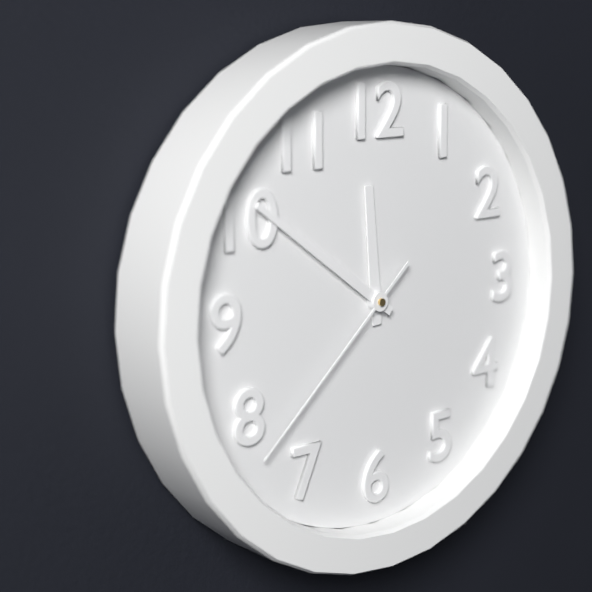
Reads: 11:51:38
